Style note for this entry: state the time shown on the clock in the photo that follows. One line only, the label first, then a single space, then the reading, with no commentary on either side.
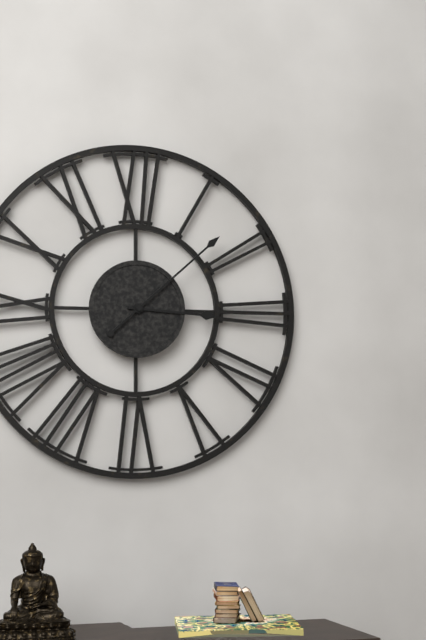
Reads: 3:08
